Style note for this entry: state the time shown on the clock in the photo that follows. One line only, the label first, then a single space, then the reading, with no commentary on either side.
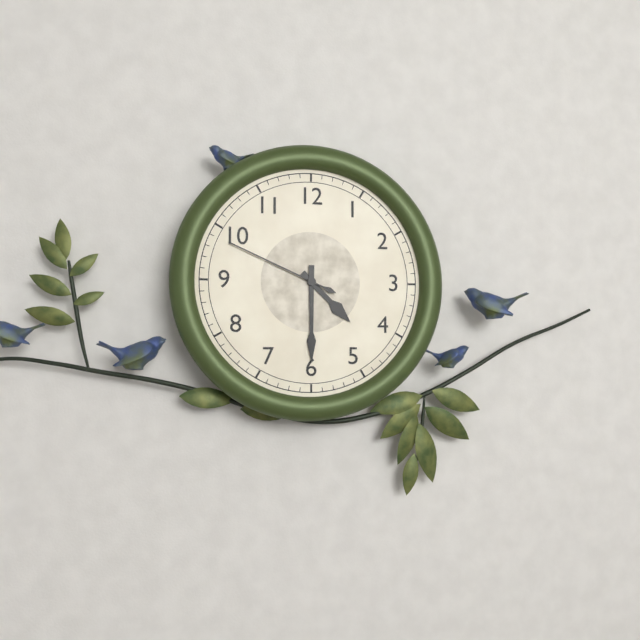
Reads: 4:30:49
